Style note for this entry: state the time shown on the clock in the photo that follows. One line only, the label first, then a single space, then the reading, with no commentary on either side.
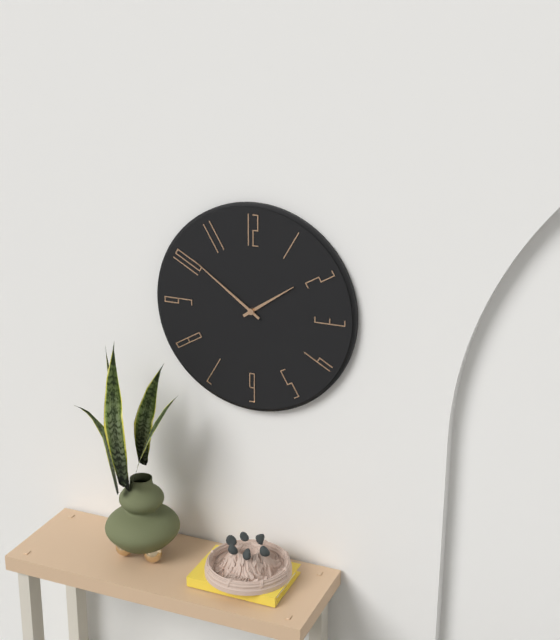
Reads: 1:51
